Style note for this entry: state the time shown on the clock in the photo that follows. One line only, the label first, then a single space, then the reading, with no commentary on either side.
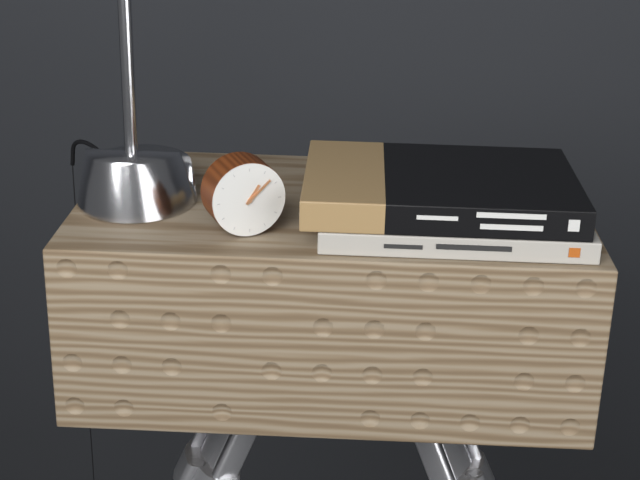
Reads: 1:08
